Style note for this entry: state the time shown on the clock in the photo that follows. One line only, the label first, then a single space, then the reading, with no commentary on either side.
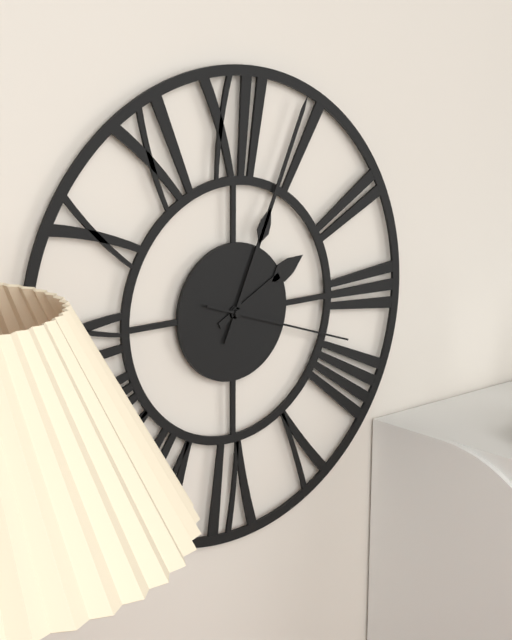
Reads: 2:04:18
